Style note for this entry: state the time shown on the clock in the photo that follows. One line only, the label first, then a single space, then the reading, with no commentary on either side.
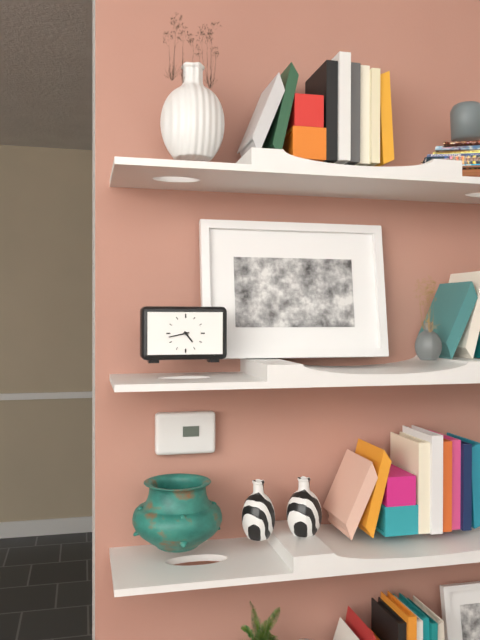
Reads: 4:43
